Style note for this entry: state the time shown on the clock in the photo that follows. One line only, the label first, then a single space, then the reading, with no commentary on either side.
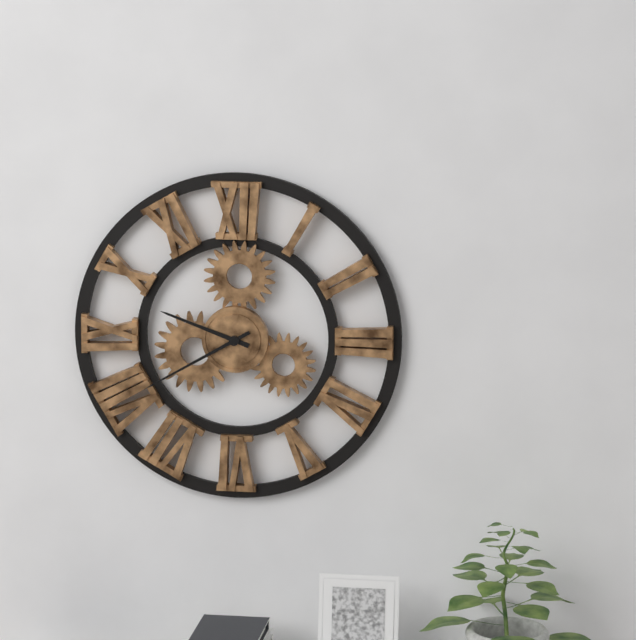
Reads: 9:40
